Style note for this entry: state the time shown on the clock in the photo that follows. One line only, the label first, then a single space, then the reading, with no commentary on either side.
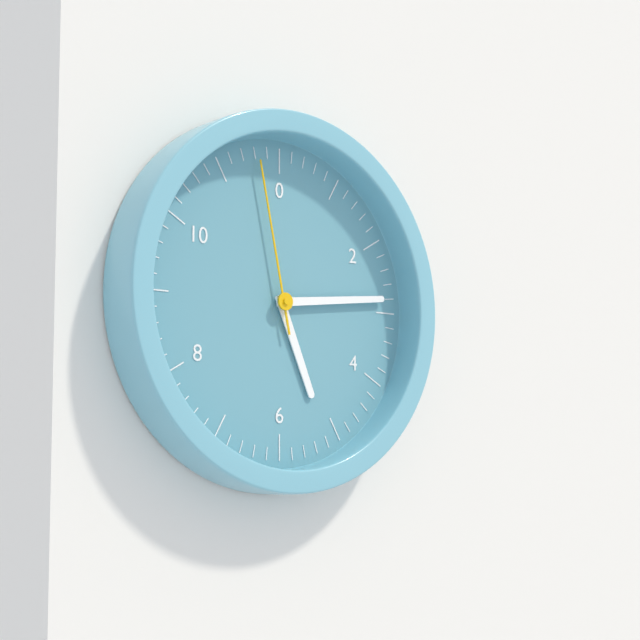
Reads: 5:14:58
